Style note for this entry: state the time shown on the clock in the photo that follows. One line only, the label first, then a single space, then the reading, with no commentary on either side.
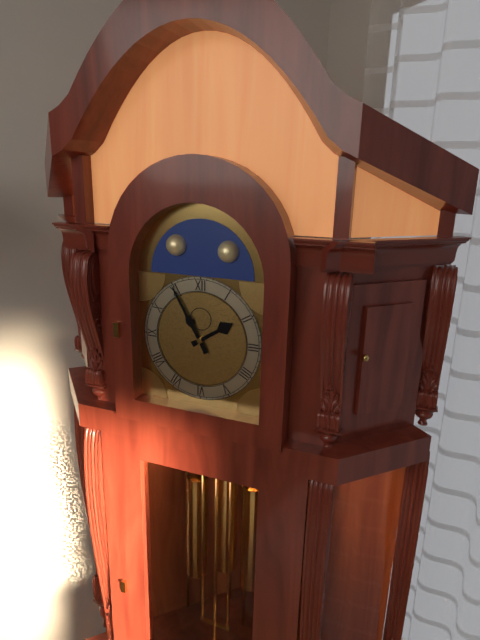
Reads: 1:55
